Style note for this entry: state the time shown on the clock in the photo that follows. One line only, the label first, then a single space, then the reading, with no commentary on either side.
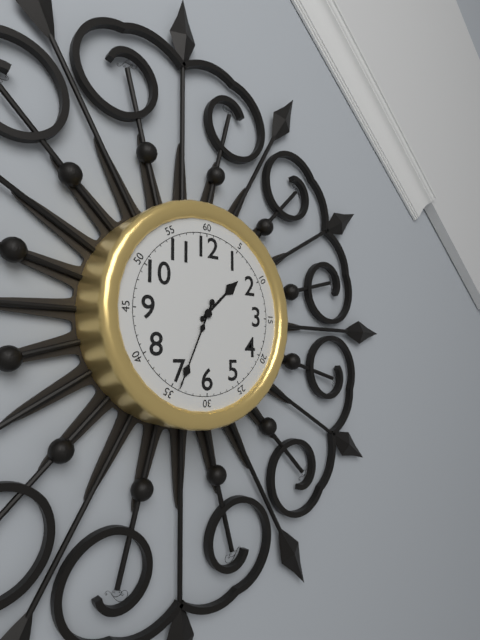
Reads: 1:34
